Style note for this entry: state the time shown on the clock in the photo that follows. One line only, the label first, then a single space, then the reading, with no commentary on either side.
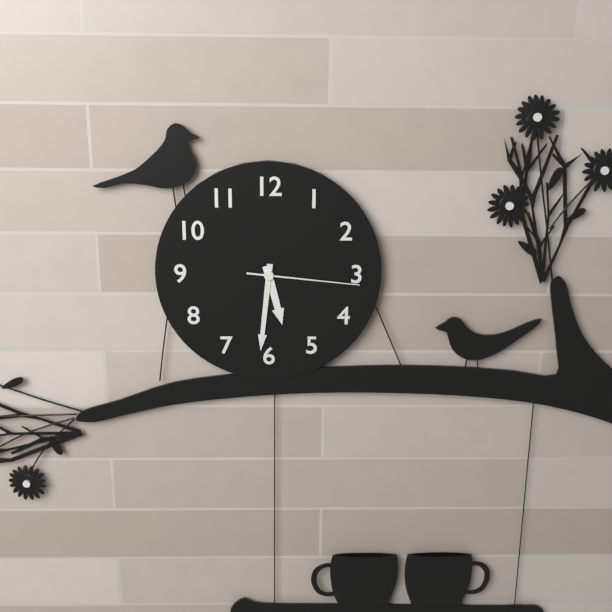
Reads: 5:31:16
